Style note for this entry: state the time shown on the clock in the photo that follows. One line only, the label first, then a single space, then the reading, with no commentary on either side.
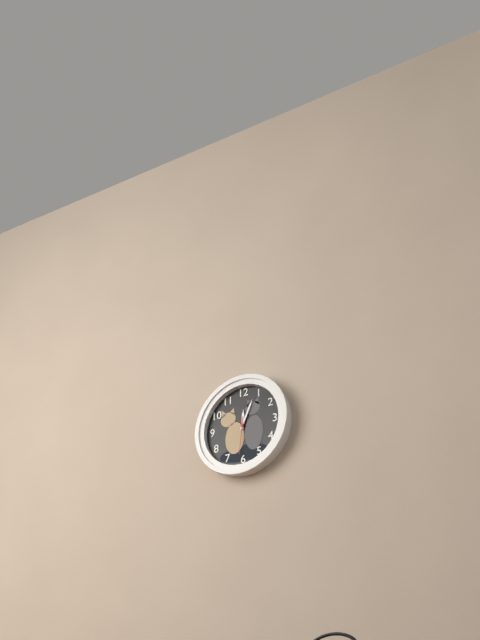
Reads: 12:04
